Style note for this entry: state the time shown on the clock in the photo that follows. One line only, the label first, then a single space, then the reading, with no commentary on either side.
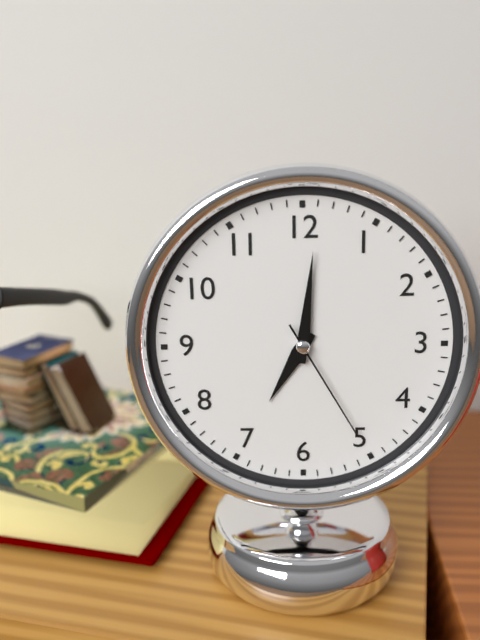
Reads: 7:01:25
